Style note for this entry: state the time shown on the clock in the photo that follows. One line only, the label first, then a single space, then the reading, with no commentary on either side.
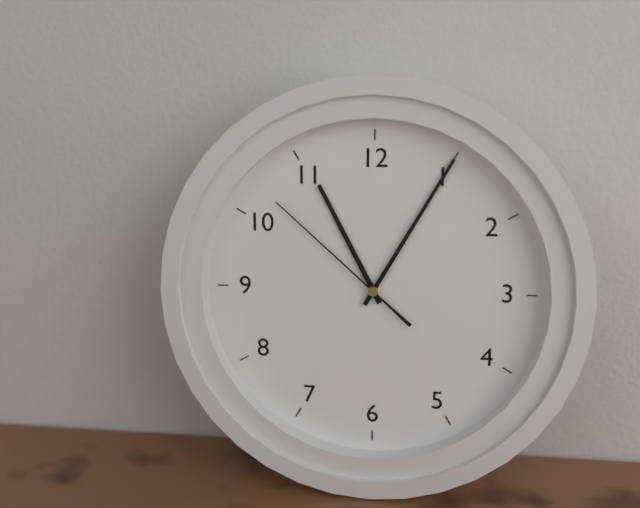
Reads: 11:05:52
